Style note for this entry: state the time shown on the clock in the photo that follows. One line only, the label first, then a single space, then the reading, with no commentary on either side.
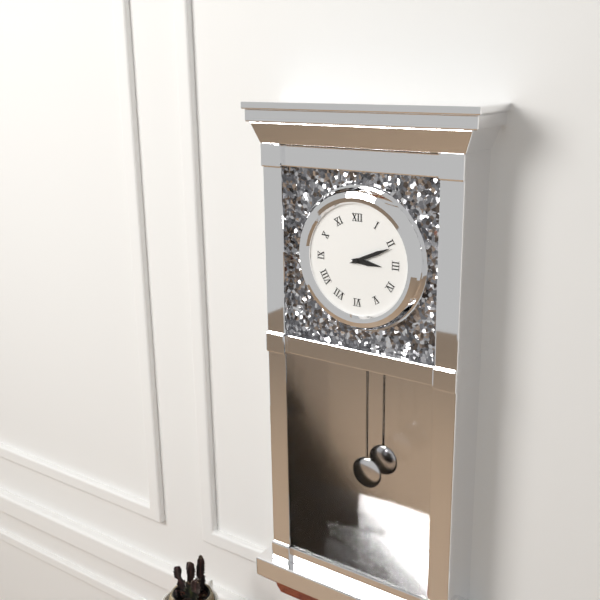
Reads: 3:11
